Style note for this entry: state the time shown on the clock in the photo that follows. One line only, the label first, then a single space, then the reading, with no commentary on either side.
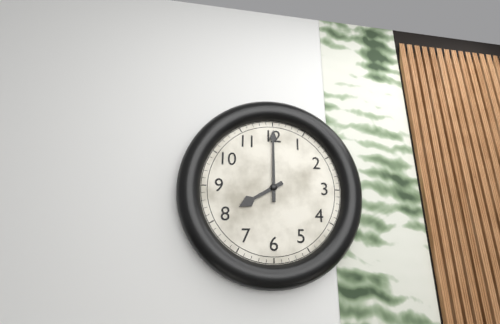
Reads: 8:00
